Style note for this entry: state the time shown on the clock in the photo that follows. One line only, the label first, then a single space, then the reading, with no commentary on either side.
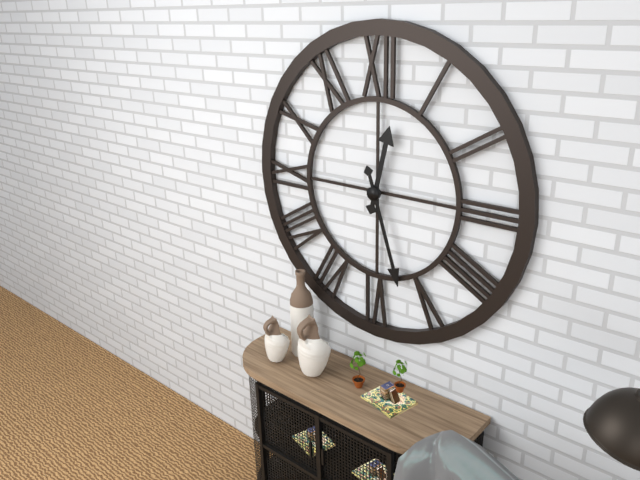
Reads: 12:27
